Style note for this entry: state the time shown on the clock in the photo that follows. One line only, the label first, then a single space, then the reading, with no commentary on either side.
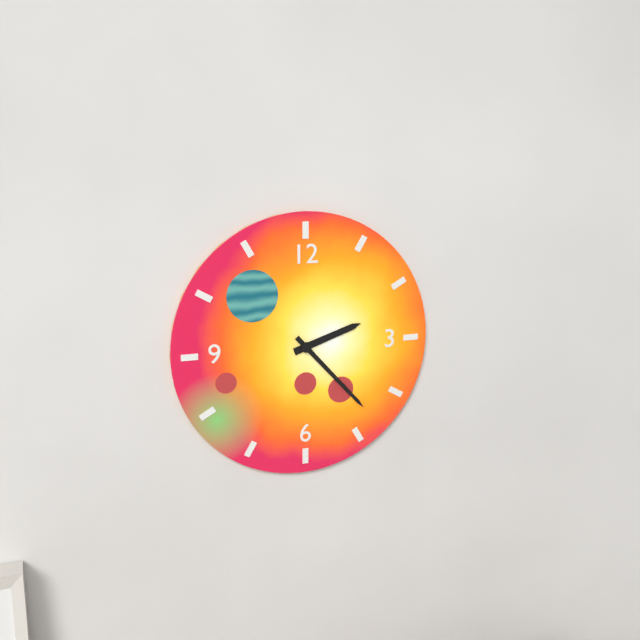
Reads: 2:23
